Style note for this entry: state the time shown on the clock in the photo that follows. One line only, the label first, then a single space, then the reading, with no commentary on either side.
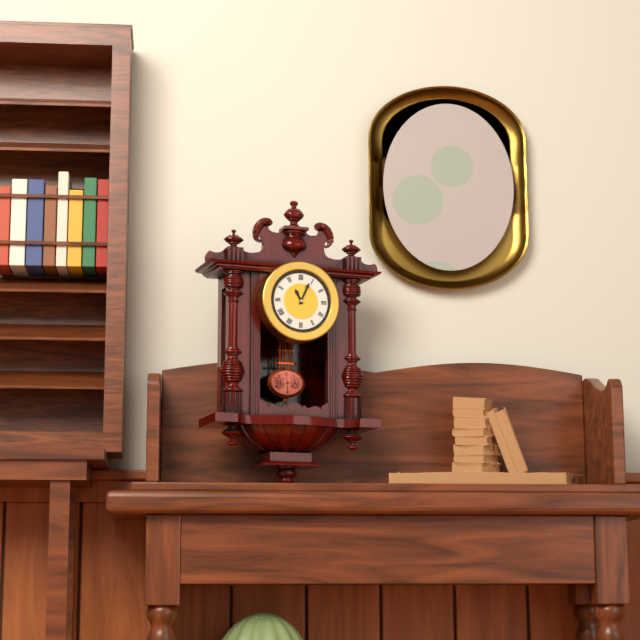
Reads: 11:04
